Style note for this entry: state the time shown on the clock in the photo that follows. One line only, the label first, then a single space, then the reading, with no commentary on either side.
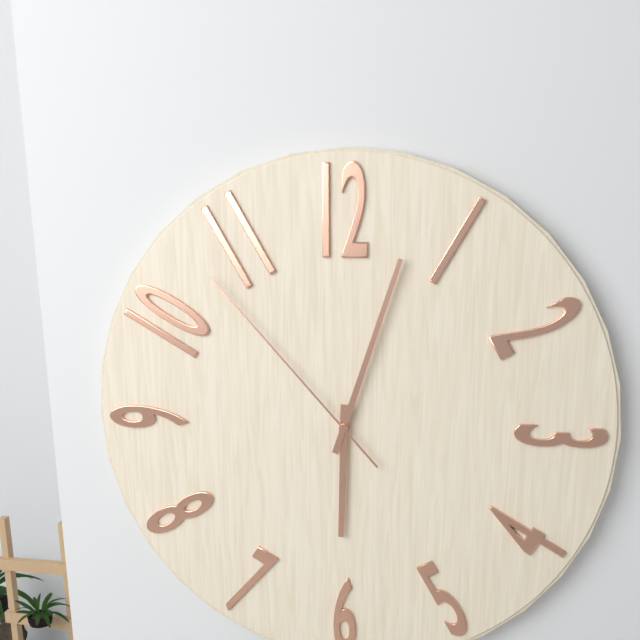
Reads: 6:03:53
